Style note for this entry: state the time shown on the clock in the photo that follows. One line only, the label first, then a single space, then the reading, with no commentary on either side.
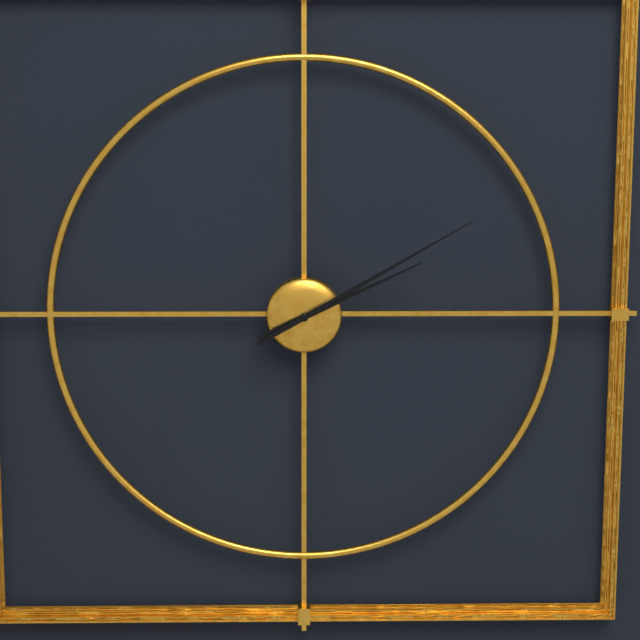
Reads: 2:10
